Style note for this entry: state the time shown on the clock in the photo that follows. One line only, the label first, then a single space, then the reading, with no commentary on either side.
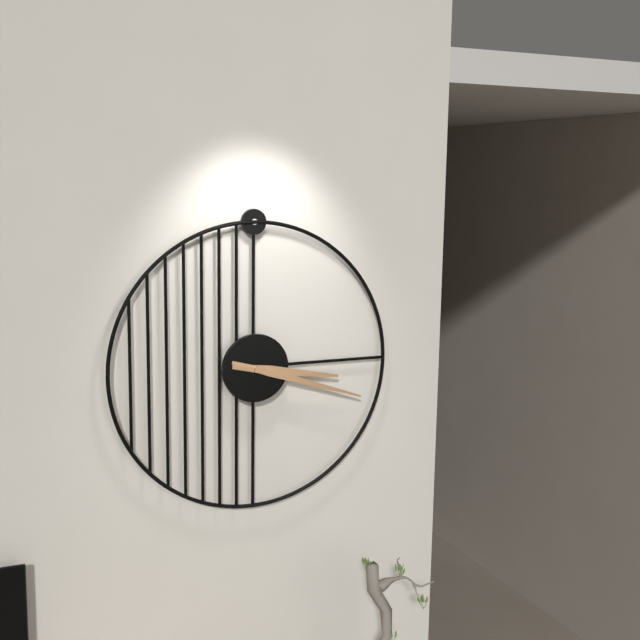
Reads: 3:18
